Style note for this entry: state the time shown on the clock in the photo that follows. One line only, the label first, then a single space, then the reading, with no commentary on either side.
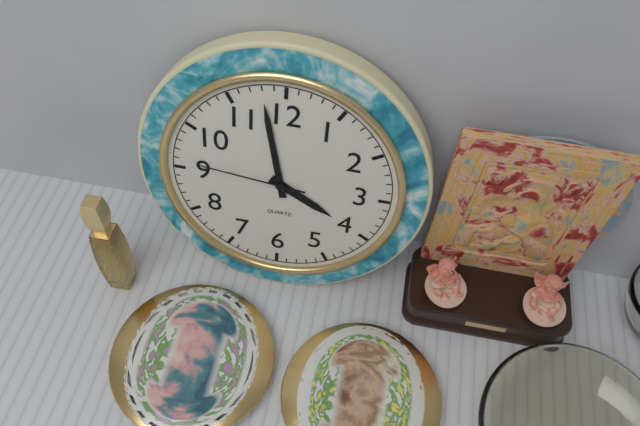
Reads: 3:58:46
